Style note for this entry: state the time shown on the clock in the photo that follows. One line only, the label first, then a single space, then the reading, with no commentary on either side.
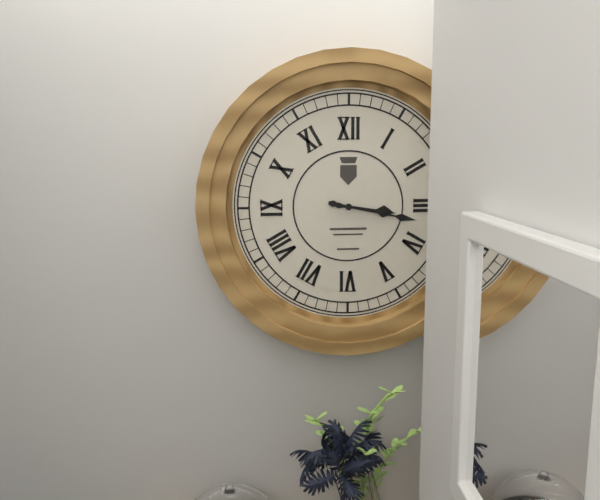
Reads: 3:17
